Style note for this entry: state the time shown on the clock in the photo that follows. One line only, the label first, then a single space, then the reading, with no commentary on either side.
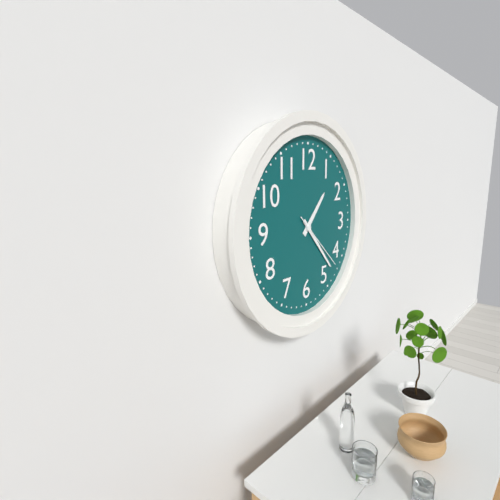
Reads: 1:23:22
